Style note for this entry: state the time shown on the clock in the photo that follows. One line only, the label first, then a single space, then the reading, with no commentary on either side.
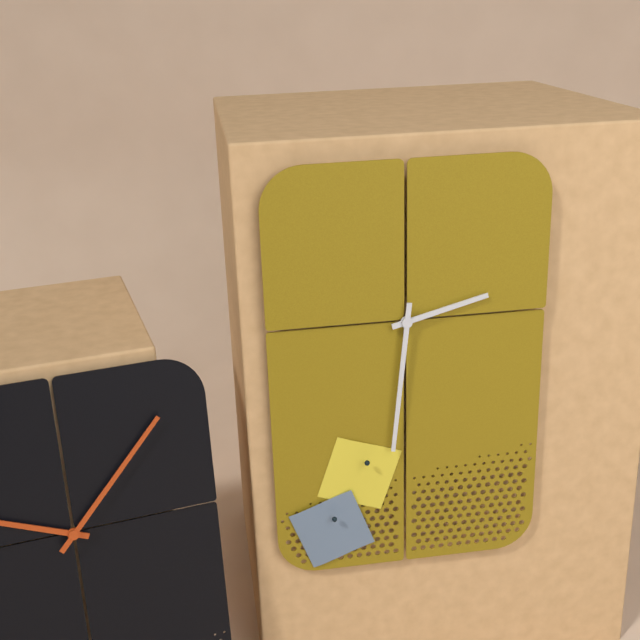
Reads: 2:31
